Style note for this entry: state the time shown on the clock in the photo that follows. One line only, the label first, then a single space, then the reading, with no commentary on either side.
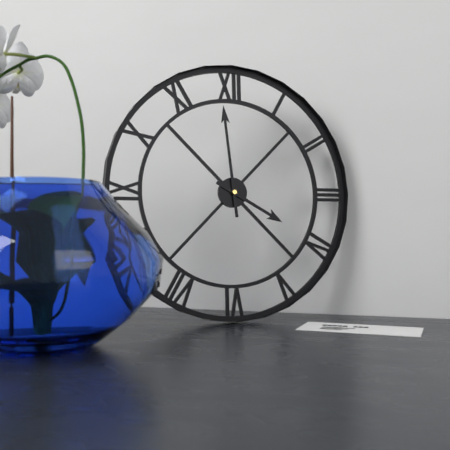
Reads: 3:59
